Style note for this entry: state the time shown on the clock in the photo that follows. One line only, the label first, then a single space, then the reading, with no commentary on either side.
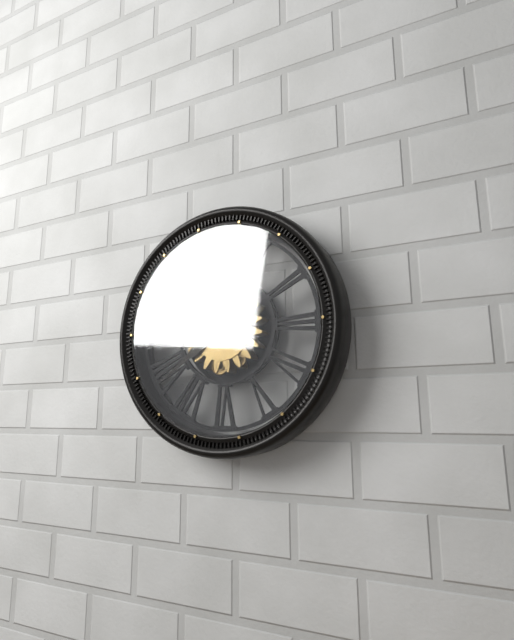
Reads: 8:39
